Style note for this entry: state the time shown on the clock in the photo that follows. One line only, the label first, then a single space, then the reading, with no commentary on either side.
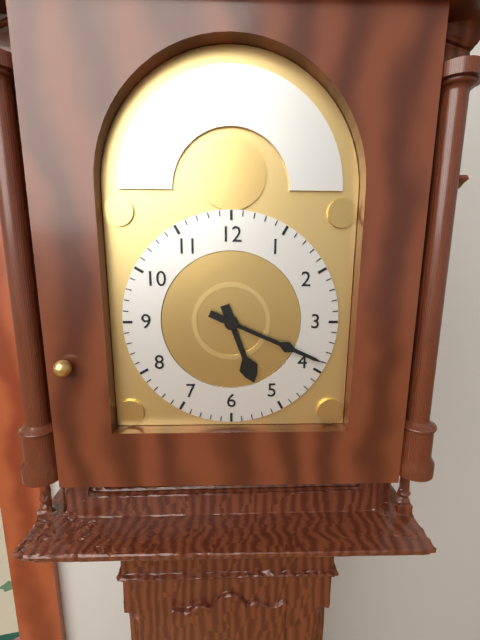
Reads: 5:19
